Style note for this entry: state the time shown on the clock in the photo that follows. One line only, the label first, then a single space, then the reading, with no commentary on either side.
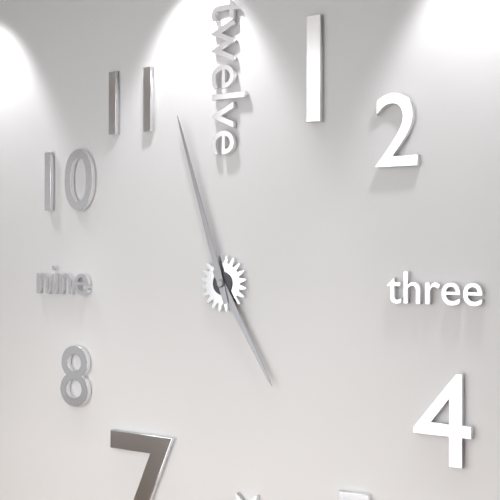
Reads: 4:57
